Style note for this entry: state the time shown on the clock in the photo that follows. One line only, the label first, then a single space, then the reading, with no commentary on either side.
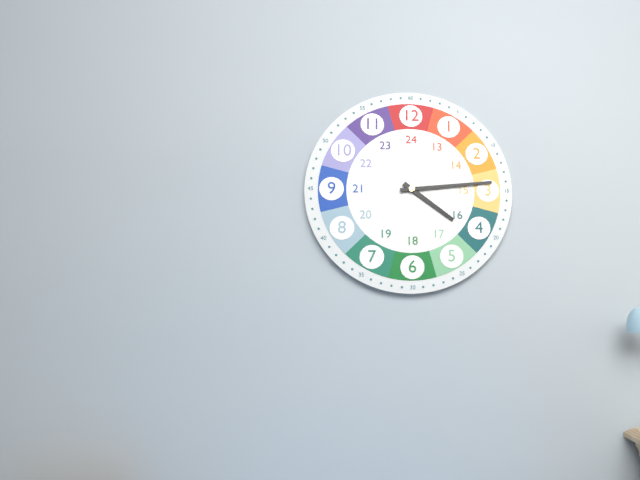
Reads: 4:14
